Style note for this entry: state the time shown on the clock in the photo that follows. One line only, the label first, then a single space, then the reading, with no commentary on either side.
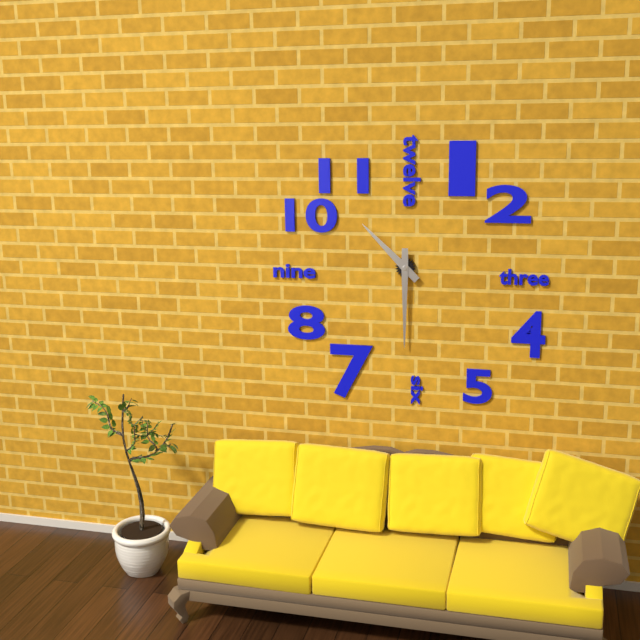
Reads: 10:30
